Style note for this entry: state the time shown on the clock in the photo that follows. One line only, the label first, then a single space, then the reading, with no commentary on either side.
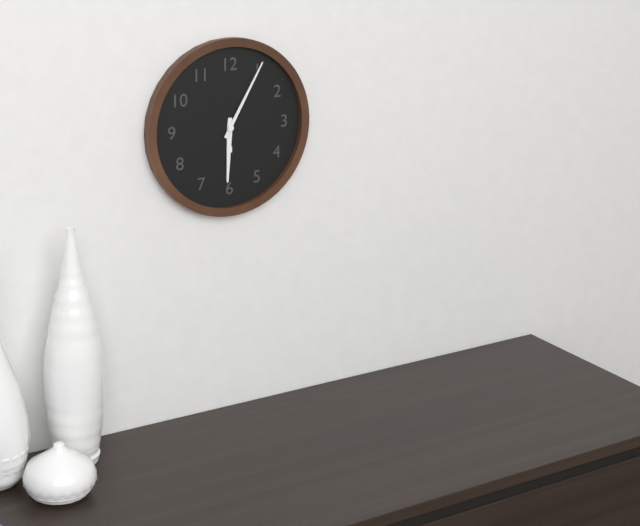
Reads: 6:05
